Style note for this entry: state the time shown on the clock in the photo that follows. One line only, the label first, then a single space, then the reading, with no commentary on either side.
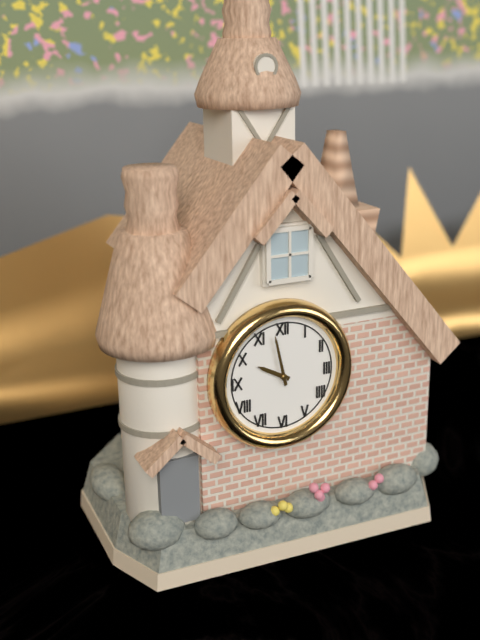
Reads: 9:58
